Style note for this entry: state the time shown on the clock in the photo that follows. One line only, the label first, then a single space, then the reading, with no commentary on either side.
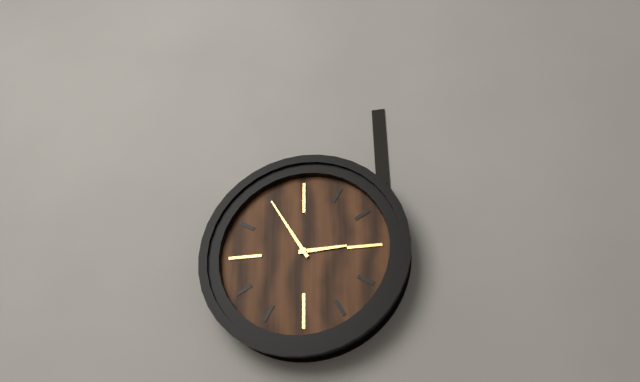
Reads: 2:55
